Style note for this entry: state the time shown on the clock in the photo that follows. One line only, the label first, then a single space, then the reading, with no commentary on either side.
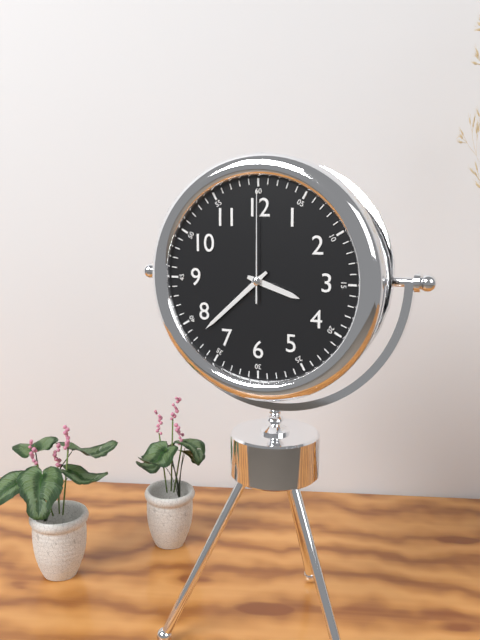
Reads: 3:38:00
